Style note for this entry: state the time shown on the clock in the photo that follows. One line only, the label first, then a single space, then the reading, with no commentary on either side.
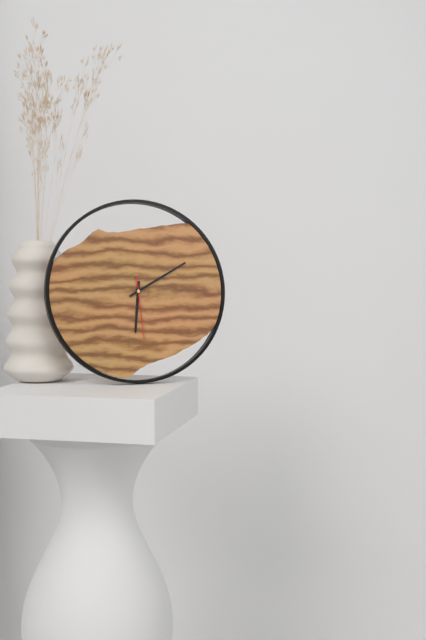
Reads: 6:10:29
